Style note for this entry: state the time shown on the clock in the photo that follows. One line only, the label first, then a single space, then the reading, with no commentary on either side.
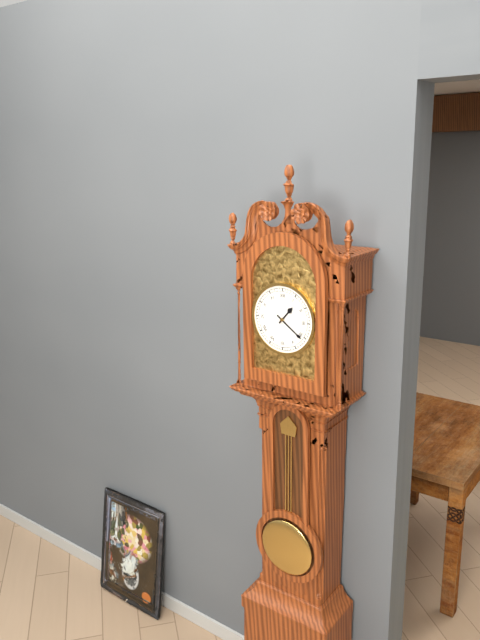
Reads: 1:21
